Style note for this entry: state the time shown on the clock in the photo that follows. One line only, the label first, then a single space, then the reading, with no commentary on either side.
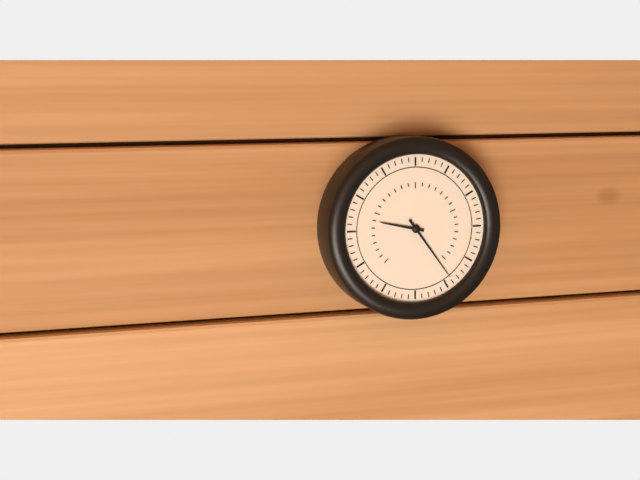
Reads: 9:24
